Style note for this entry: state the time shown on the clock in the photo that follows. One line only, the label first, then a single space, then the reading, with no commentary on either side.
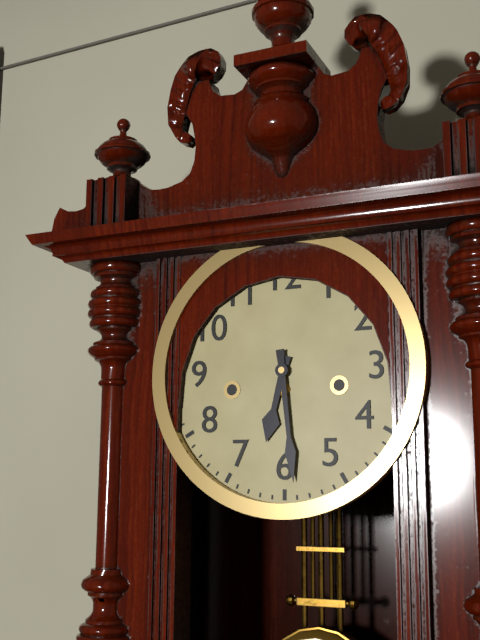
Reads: 6:29
